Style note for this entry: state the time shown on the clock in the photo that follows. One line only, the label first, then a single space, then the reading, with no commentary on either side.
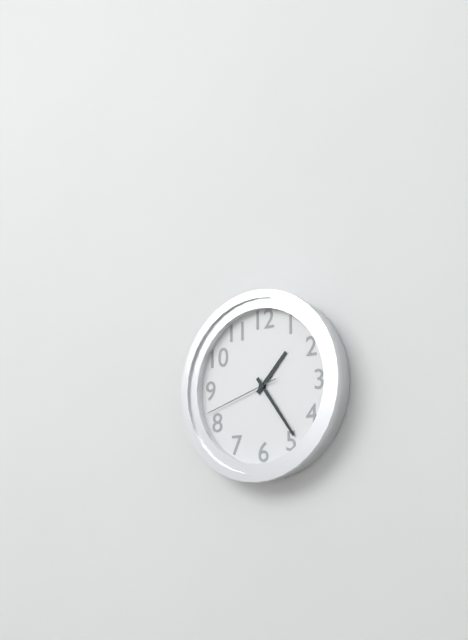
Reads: 1:24:42
